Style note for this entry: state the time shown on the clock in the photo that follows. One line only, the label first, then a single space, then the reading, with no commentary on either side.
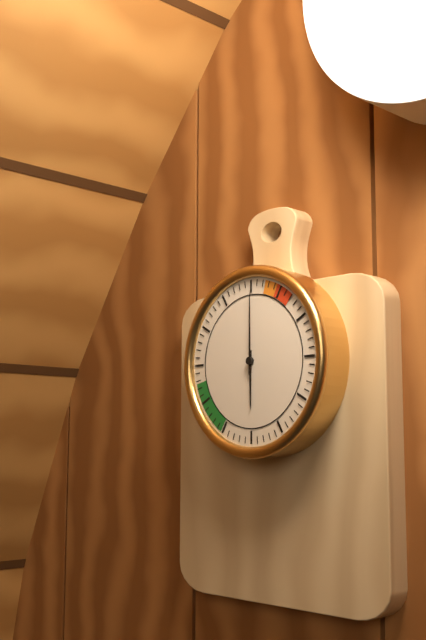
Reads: 6:00
